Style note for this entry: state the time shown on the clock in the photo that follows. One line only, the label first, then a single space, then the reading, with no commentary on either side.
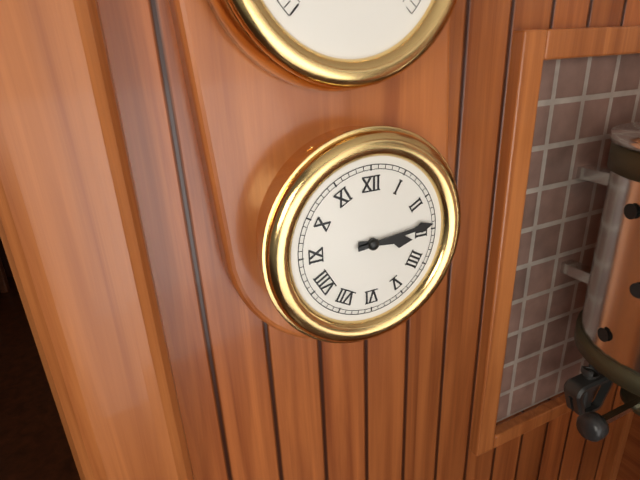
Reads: 3:14
